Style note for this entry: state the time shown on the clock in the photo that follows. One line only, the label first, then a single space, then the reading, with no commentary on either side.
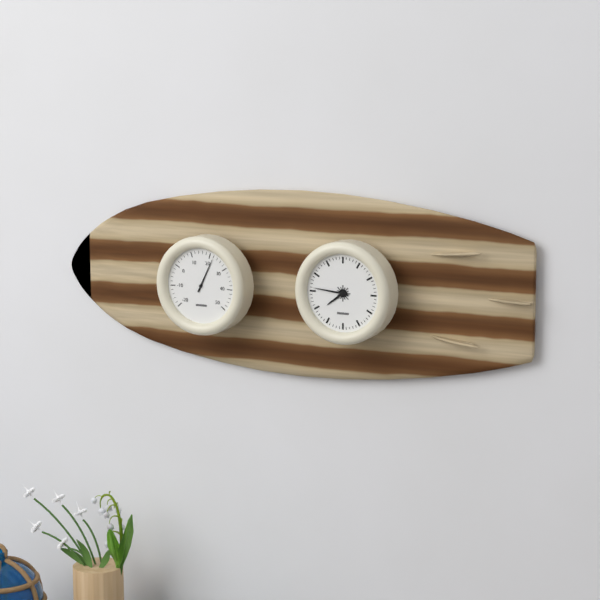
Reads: 7:46
